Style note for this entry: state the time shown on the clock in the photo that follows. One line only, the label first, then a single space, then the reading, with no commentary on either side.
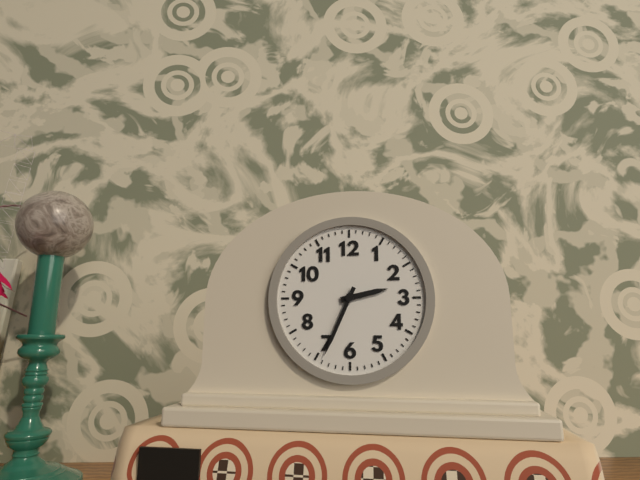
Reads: 2:34
